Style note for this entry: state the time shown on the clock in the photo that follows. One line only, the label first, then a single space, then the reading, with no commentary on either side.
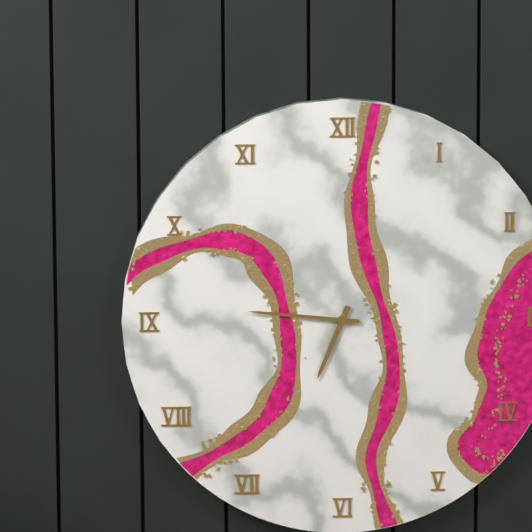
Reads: 6:46
